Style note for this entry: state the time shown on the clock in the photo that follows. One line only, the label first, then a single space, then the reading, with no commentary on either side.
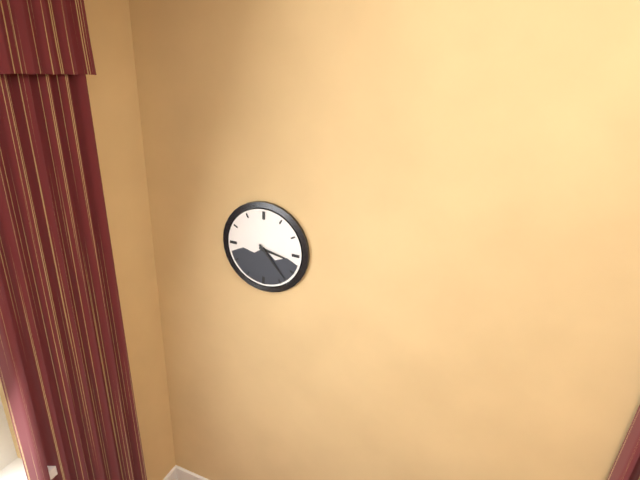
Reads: 3:23
